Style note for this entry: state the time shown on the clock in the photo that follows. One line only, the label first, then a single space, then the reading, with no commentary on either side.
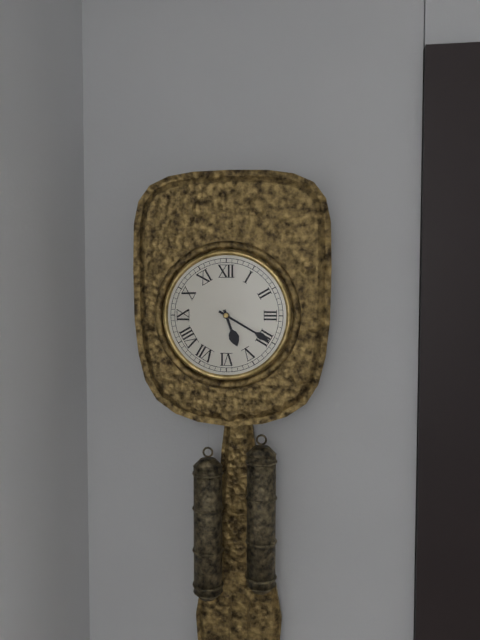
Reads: 5:20
